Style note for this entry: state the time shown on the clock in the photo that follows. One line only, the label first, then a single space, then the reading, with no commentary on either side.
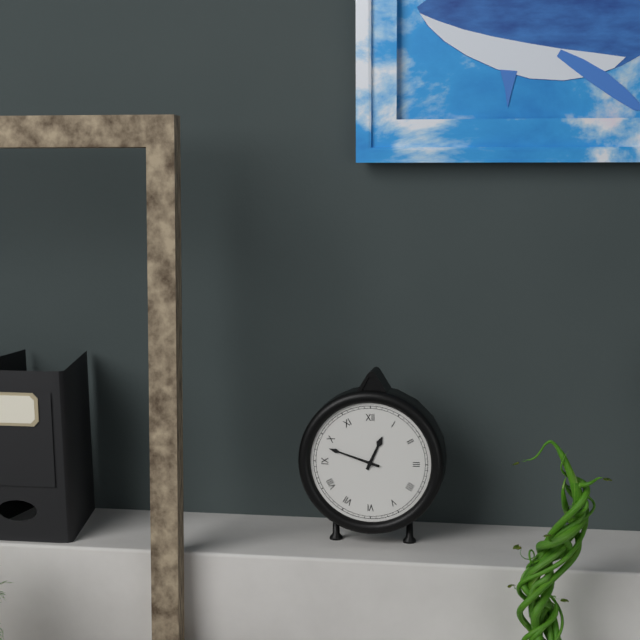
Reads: 12:48
